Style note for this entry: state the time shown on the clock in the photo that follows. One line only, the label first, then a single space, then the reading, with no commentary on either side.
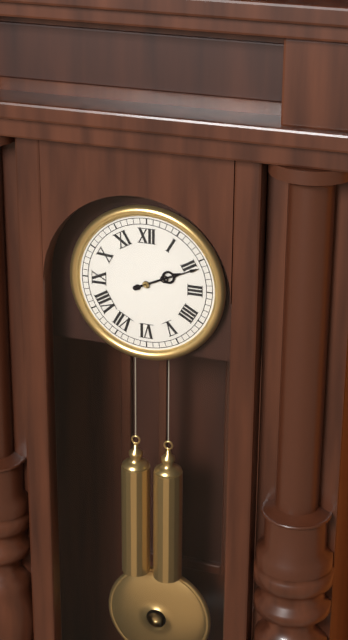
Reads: 2:11
